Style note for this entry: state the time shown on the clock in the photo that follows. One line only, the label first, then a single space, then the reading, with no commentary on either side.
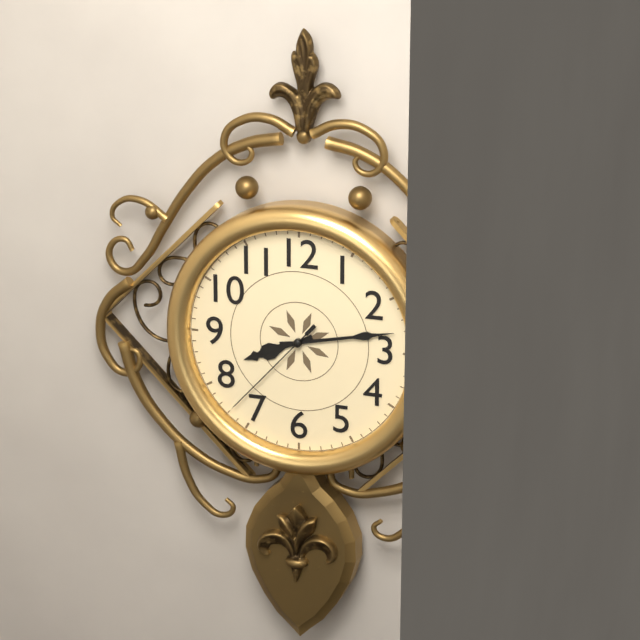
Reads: 8:13:37
